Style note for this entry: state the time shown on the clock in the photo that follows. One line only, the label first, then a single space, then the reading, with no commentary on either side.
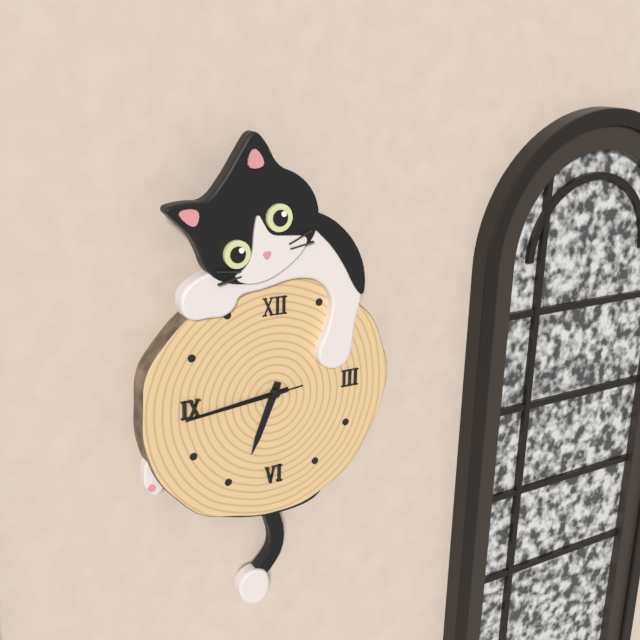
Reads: 6:44:44
